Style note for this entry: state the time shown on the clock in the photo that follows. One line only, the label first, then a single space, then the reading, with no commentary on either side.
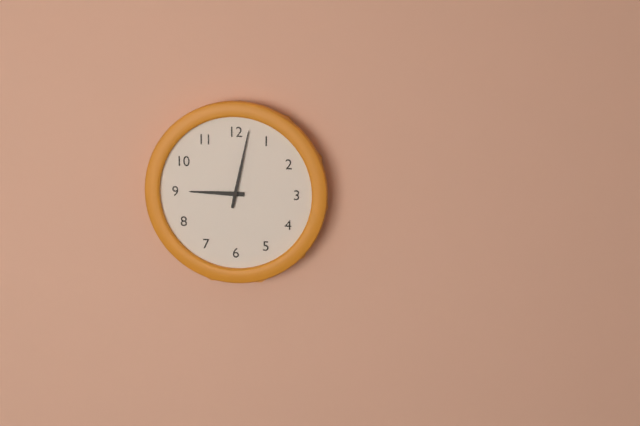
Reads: 9:02
